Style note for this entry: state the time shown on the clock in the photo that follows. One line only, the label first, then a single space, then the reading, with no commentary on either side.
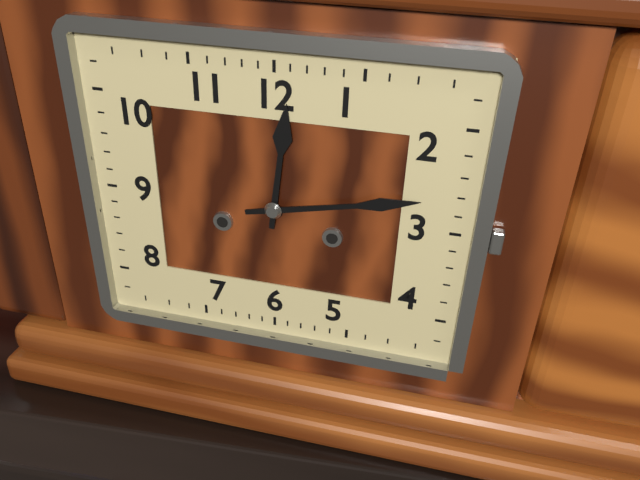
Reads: 12:13
